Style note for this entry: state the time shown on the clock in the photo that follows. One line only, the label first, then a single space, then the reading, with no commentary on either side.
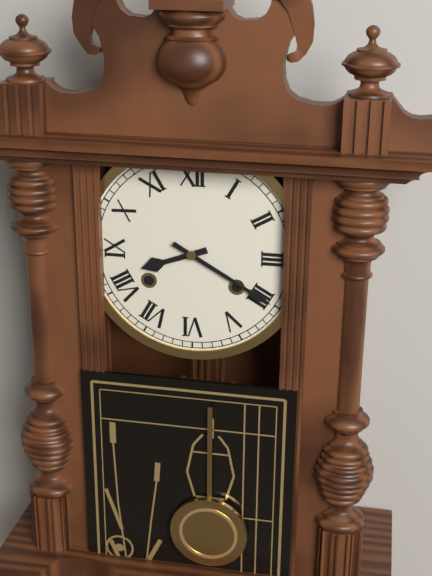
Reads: 8:20
